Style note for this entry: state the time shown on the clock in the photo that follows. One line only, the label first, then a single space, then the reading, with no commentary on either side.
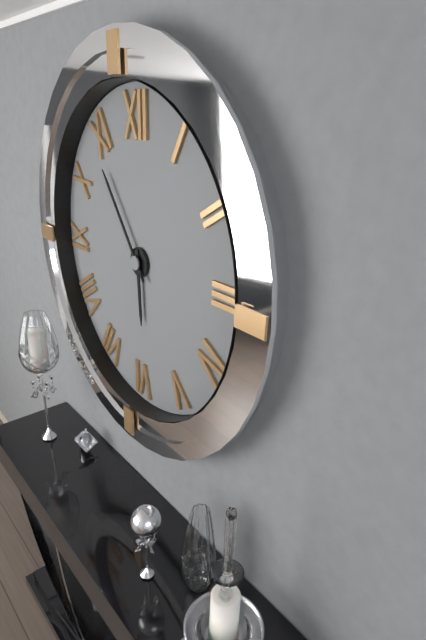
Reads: 5:54
